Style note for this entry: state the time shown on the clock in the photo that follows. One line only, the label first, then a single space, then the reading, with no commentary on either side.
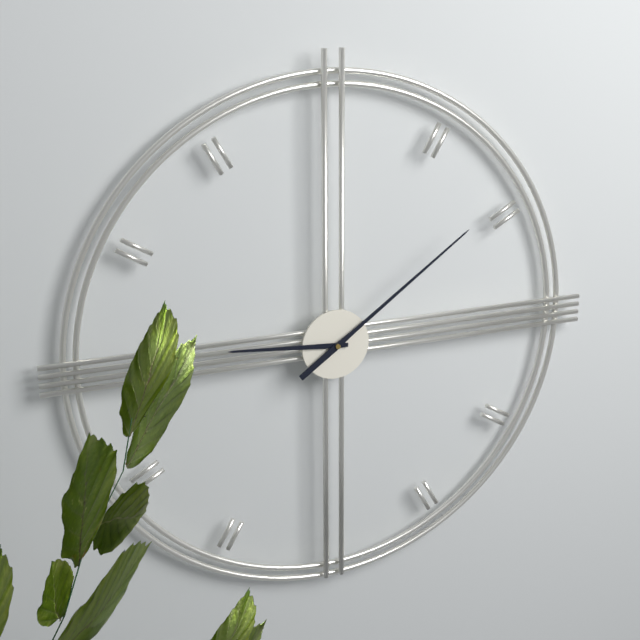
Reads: 9:09
